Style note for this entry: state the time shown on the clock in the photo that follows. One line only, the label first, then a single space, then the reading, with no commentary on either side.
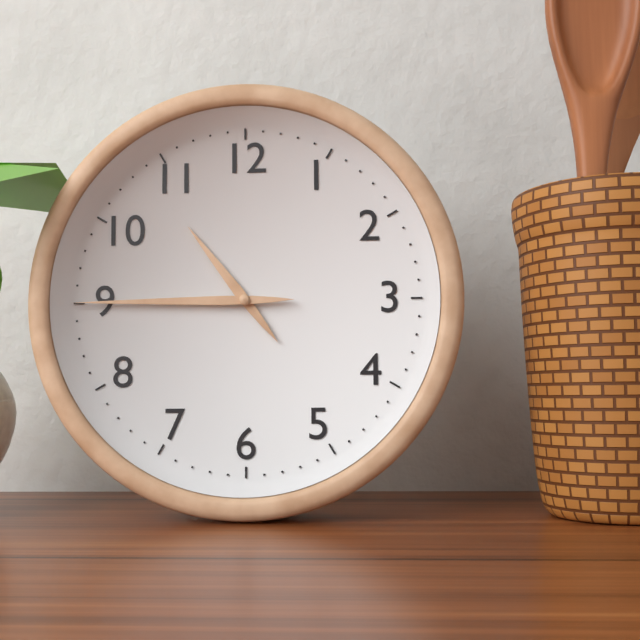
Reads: 10:45
